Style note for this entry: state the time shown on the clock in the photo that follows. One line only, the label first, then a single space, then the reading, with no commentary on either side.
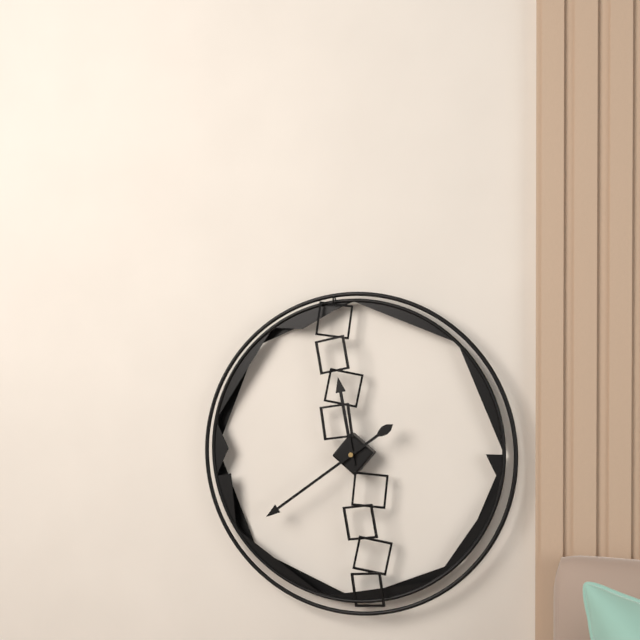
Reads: 11:39
